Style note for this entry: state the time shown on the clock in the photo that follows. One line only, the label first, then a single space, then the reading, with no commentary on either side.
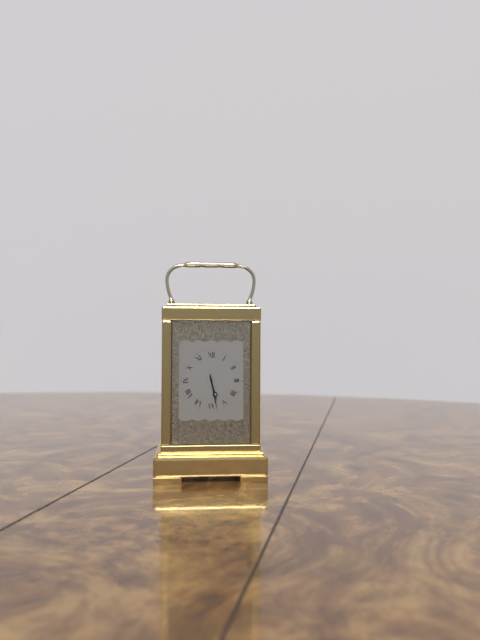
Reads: 5:28
